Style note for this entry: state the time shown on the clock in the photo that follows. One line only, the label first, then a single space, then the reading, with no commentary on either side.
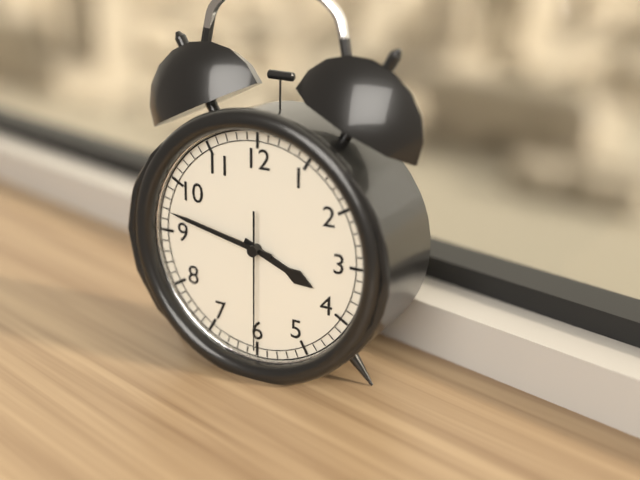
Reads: 3:47:30
